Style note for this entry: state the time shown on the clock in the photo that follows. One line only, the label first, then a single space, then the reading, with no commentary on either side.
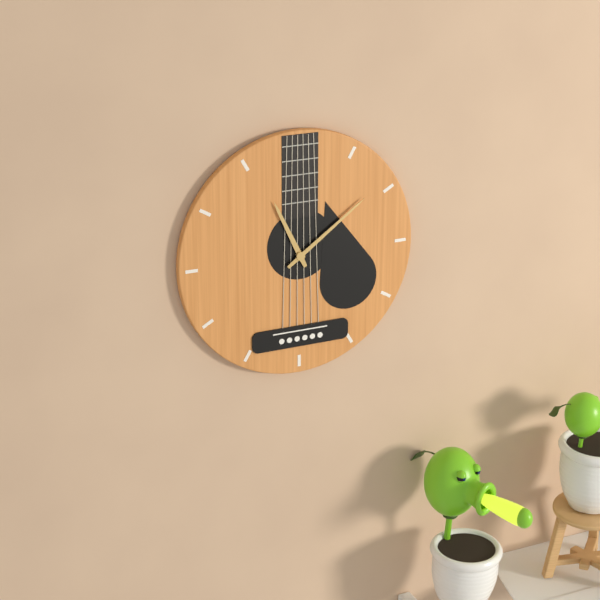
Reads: 11:09
